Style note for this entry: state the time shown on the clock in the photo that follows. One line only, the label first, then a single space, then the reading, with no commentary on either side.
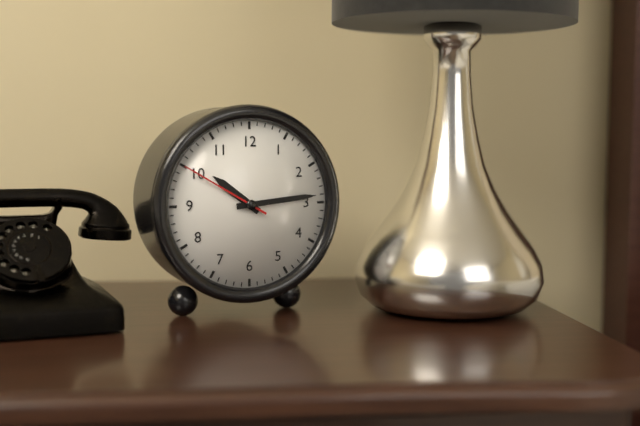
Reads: 10:14:50
